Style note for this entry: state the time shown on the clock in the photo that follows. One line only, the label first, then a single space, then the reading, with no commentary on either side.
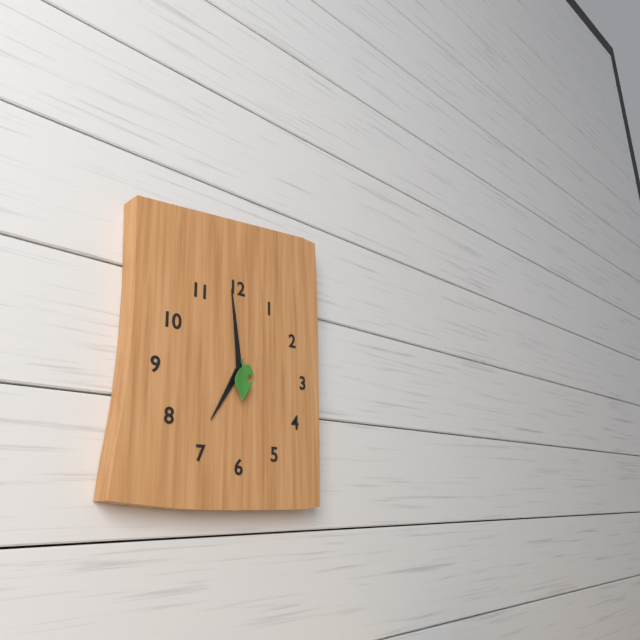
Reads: 6:59
